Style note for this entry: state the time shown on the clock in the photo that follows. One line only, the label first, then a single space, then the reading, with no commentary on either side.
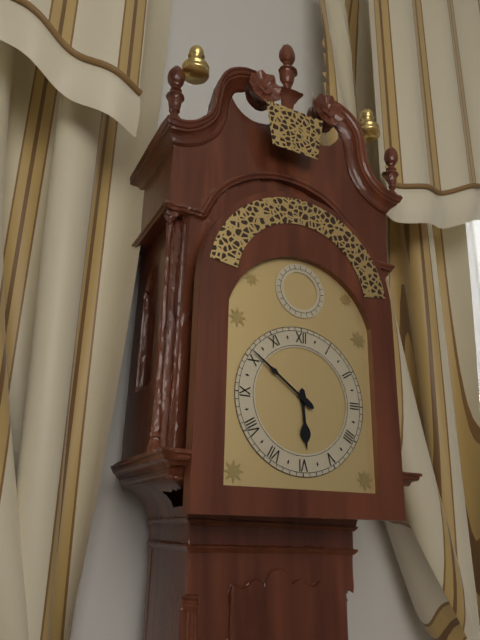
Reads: 5:51
